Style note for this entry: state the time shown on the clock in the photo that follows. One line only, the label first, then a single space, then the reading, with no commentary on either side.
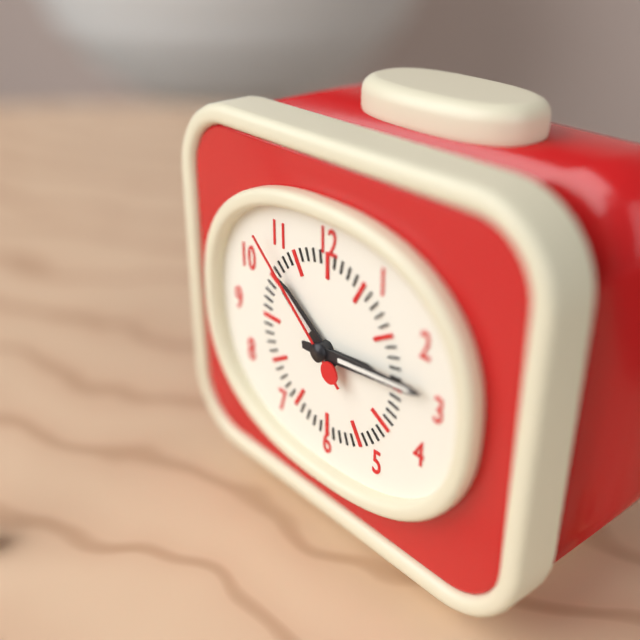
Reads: 10:14:52
